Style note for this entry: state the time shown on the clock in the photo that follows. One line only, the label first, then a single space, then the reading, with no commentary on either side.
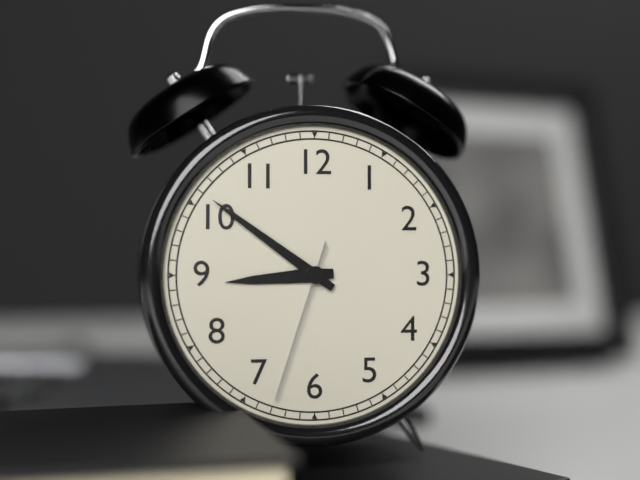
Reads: 8:51:33
